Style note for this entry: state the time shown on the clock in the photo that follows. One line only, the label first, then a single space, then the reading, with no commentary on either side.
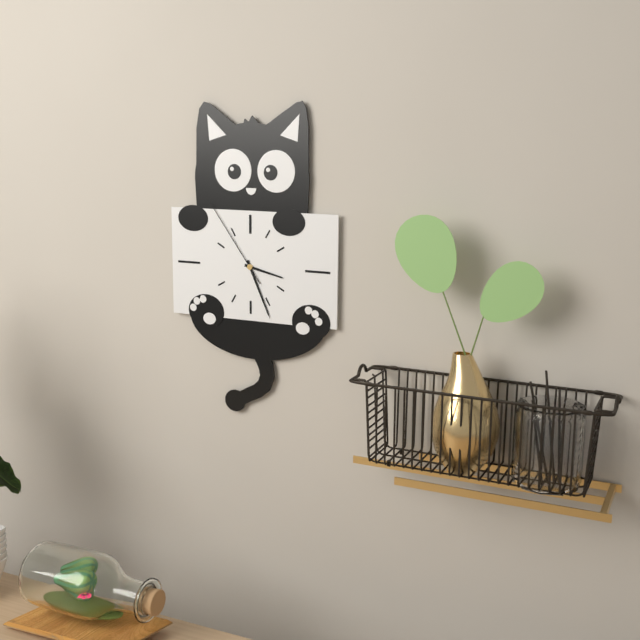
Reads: 3:26:54
